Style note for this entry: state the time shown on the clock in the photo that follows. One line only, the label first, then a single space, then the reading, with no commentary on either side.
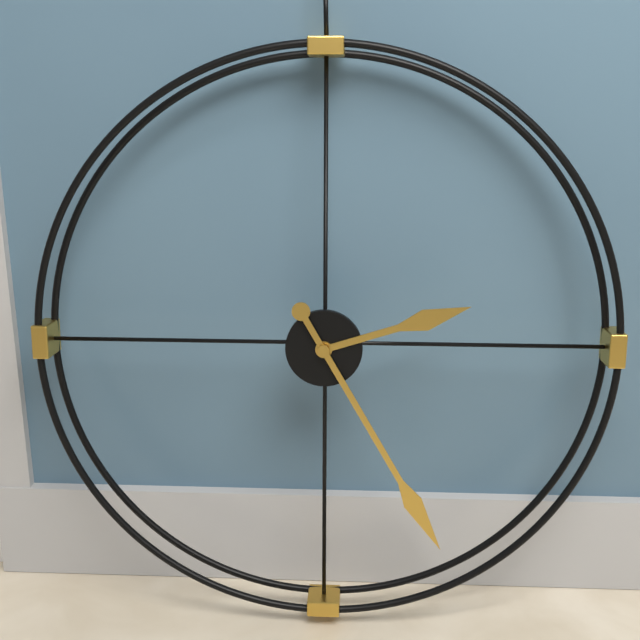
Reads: 2:25
